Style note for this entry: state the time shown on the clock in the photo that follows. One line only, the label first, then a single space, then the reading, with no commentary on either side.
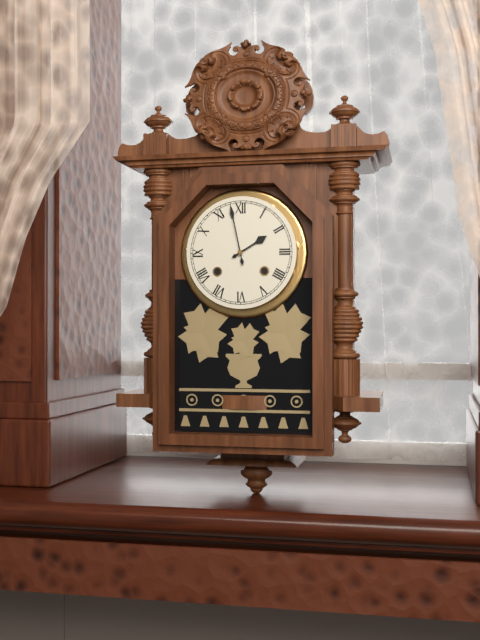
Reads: 1:58
